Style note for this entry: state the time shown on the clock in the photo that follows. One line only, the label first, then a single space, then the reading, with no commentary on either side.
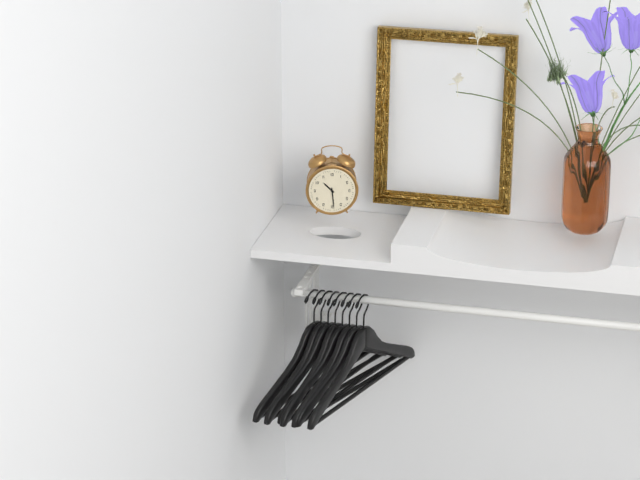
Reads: 10:29
